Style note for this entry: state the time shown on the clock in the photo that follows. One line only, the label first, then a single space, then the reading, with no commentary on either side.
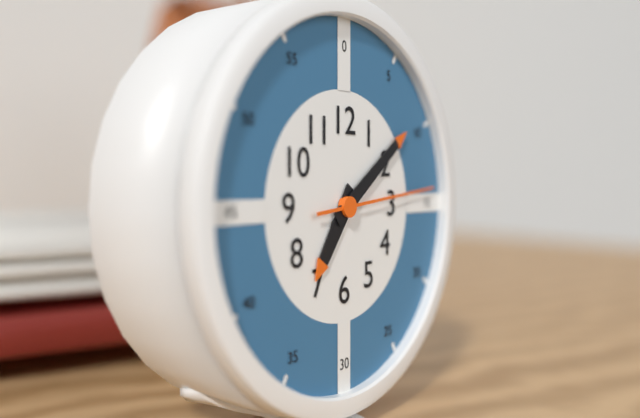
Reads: 7:09:14
